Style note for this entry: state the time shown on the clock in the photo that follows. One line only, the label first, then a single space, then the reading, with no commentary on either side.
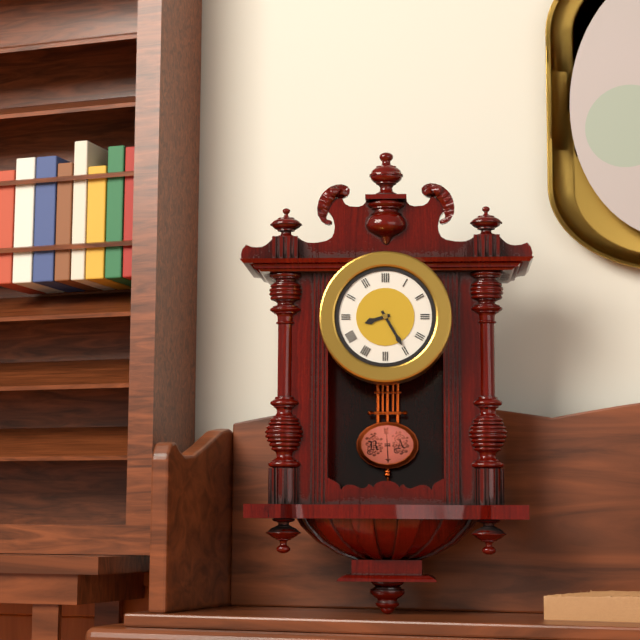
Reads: 8:25
